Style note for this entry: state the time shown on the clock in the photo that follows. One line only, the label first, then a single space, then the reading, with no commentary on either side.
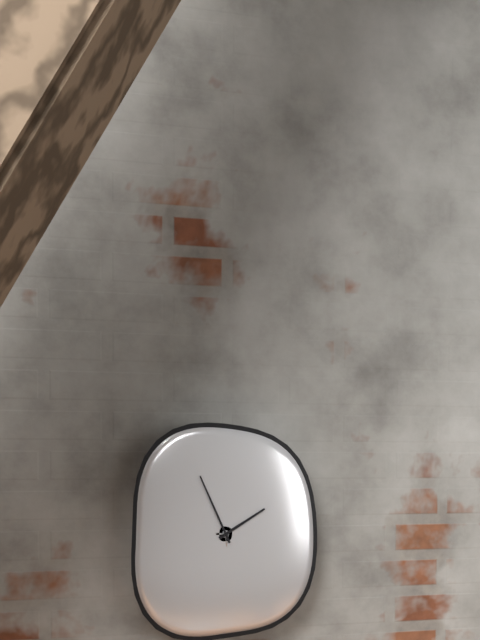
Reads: 1:56
